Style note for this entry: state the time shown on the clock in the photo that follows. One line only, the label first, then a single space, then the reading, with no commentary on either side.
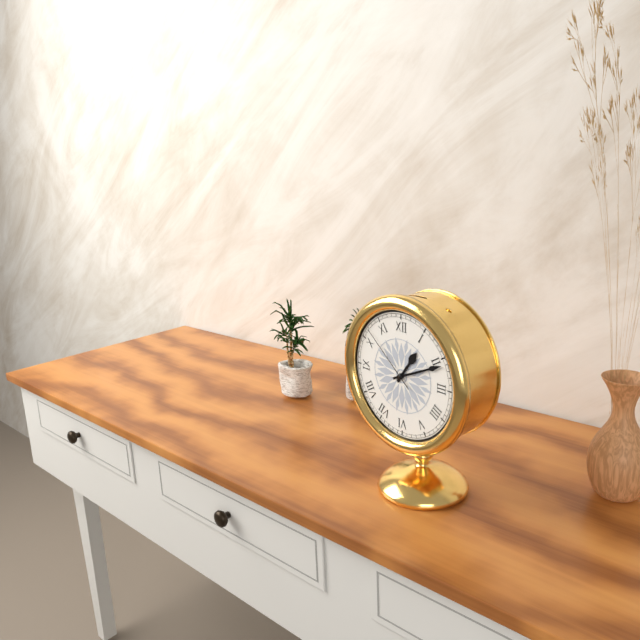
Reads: 1:11:52
